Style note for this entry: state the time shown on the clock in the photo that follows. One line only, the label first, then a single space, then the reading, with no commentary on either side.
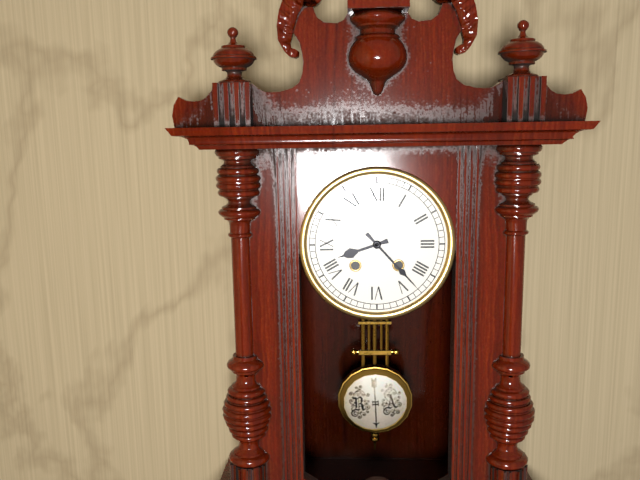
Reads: 8:23
